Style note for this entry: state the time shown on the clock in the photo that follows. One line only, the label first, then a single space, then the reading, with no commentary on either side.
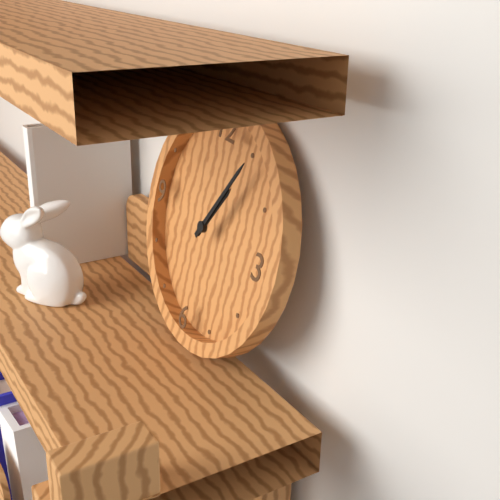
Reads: 1:05
